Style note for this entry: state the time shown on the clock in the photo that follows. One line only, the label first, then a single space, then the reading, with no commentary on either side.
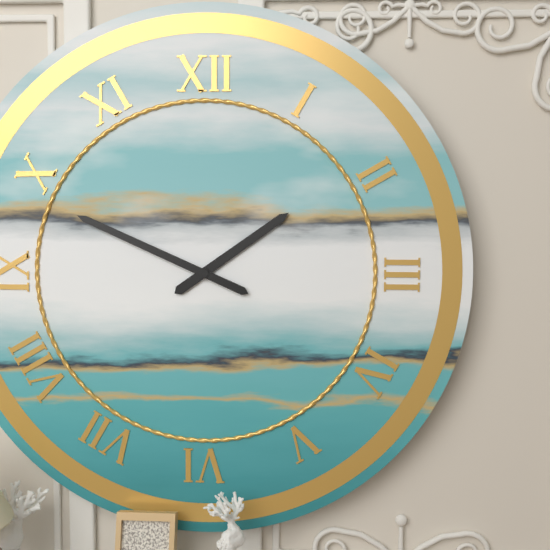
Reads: 1:49
